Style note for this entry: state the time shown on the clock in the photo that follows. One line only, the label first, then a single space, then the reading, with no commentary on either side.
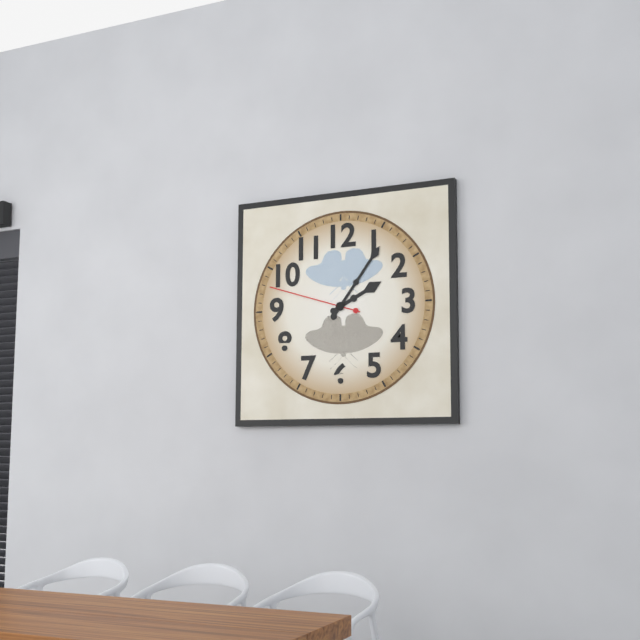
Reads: 2:06:48
